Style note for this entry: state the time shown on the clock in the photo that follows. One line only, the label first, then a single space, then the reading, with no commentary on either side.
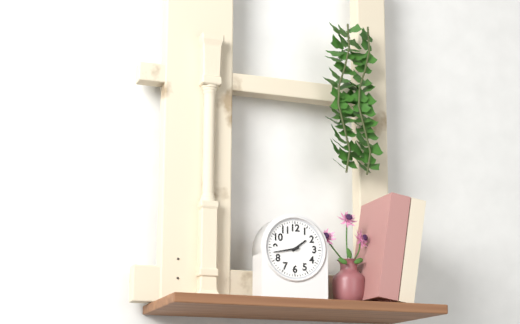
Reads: 1:43
